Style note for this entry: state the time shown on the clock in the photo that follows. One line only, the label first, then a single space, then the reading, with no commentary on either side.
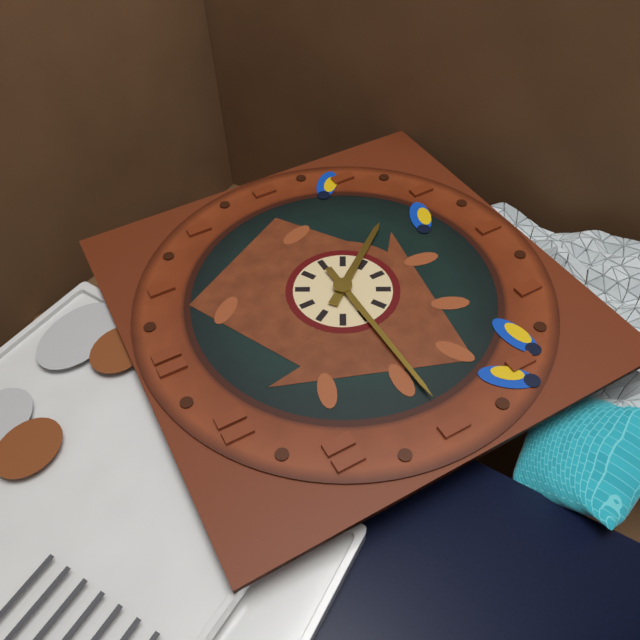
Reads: 4:45
